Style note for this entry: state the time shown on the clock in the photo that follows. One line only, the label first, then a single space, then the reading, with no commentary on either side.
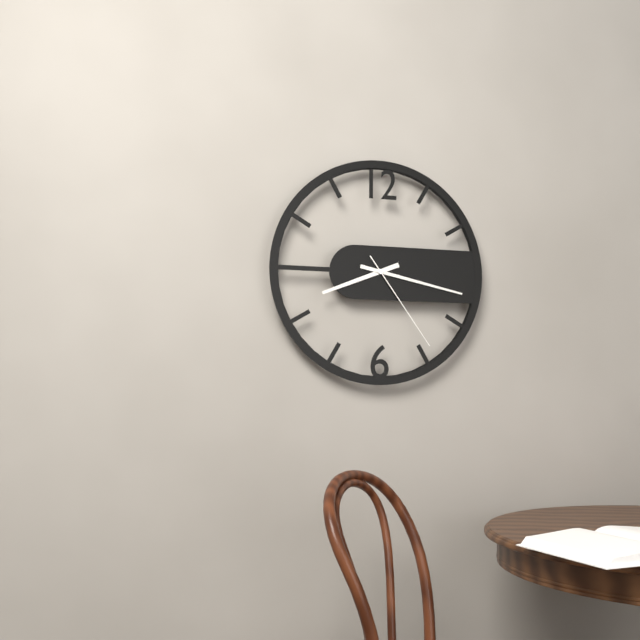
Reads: 8:17:24
